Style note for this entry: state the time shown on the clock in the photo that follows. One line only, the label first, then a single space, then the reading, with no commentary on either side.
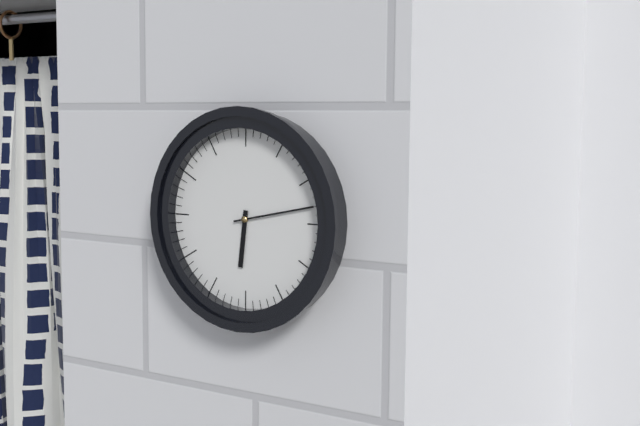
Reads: 6:13
